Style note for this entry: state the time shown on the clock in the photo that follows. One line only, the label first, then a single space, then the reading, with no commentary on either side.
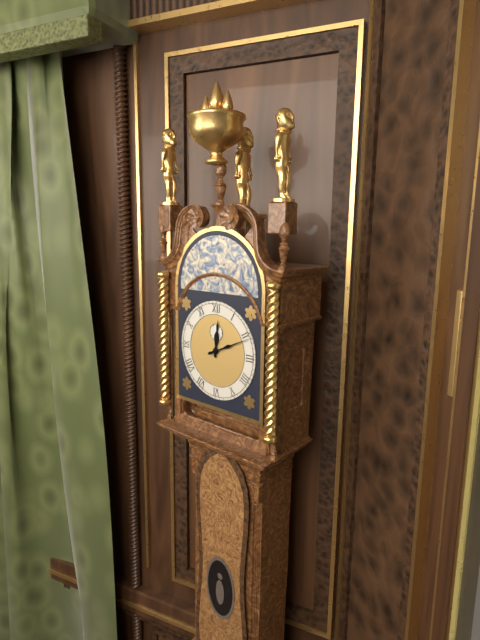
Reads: 12:11
